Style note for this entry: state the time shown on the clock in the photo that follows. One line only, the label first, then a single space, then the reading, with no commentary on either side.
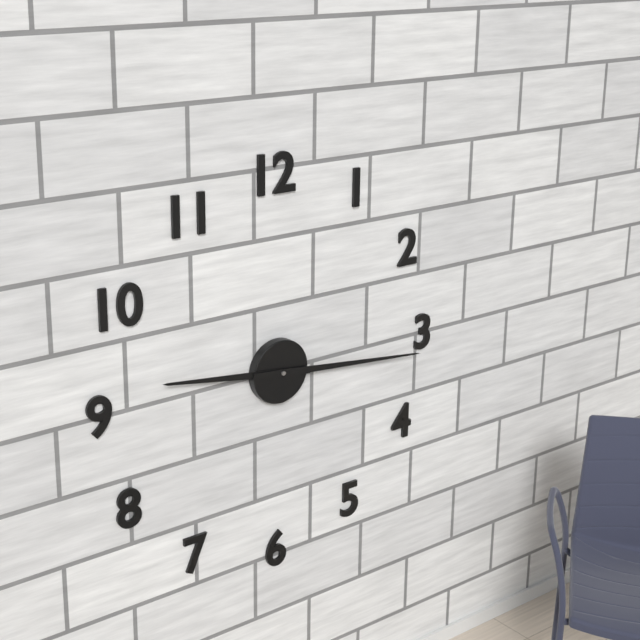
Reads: 9:16
